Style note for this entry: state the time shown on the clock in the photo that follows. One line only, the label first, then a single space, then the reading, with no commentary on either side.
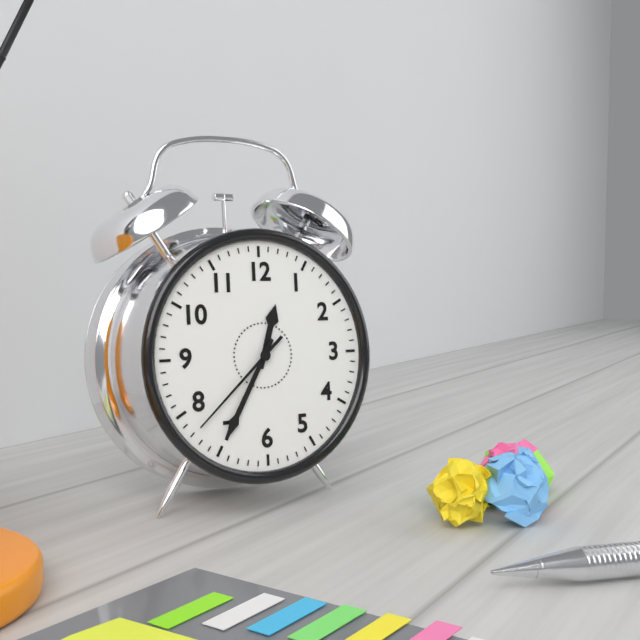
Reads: 12:35:38
